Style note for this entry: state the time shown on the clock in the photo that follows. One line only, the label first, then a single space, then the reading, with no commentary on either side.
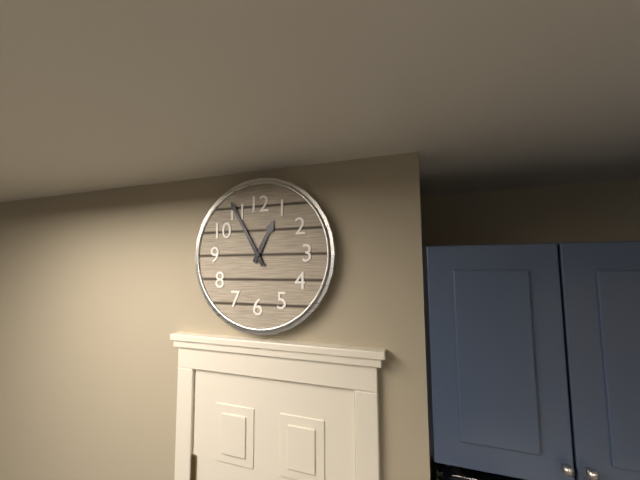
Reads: 12:55
